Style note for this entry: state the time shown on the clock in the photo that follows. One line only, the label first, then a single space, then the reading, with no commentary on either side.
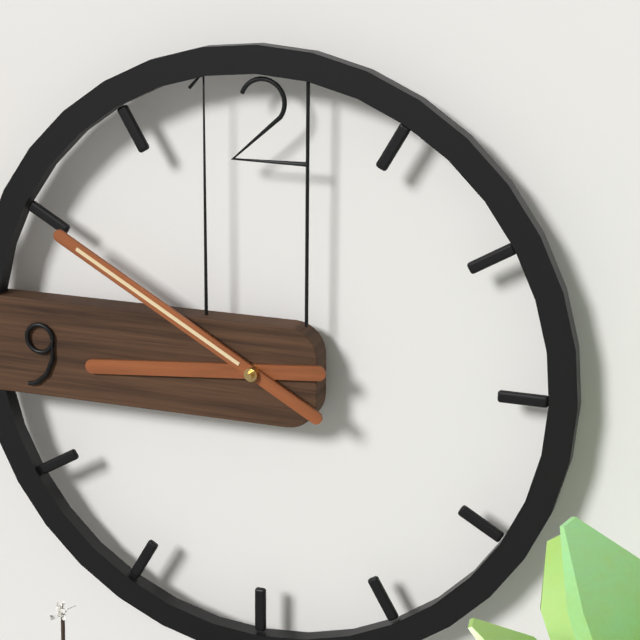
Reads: 8:50
